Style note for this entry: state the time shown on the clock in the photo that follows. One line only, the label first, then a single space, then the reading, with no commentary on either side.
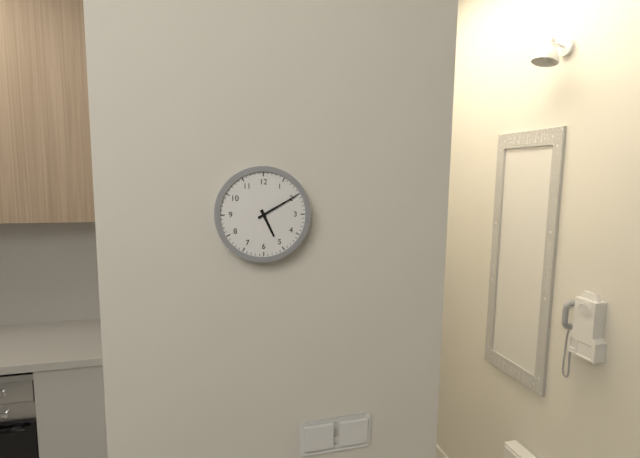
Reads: 5:10
